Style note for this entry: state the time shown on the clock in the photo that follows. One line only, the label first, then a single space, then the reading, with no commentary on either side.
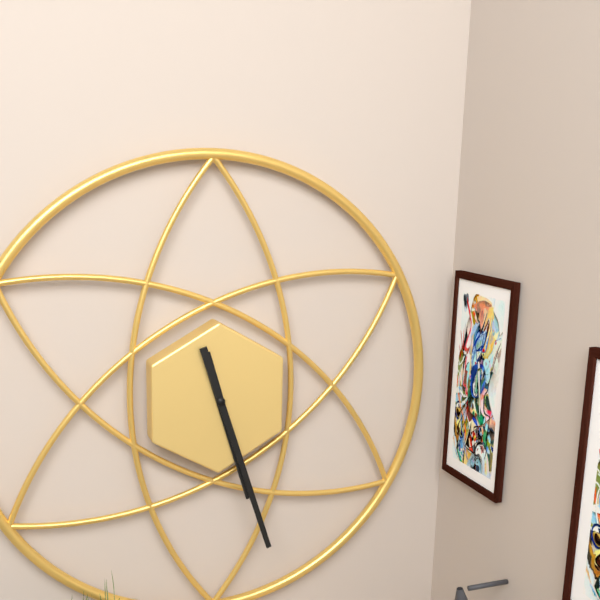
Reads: 5:27
